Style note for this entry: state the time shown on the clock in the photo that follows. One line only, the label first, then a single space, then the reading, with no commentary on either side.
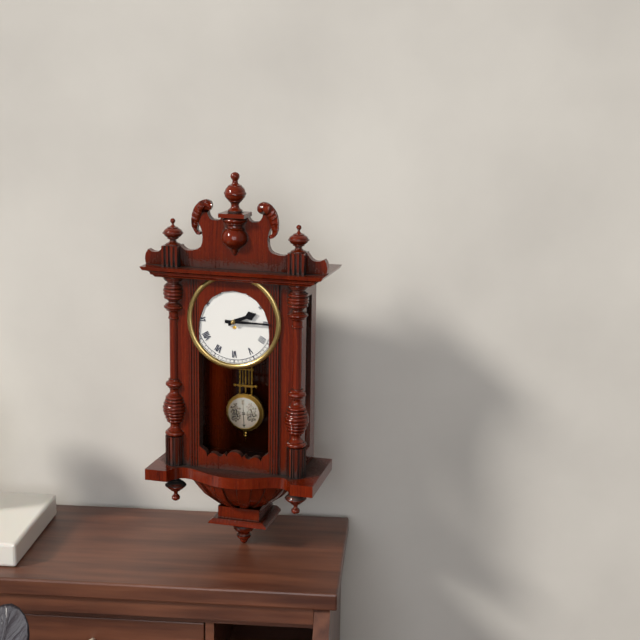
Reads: 2:15
